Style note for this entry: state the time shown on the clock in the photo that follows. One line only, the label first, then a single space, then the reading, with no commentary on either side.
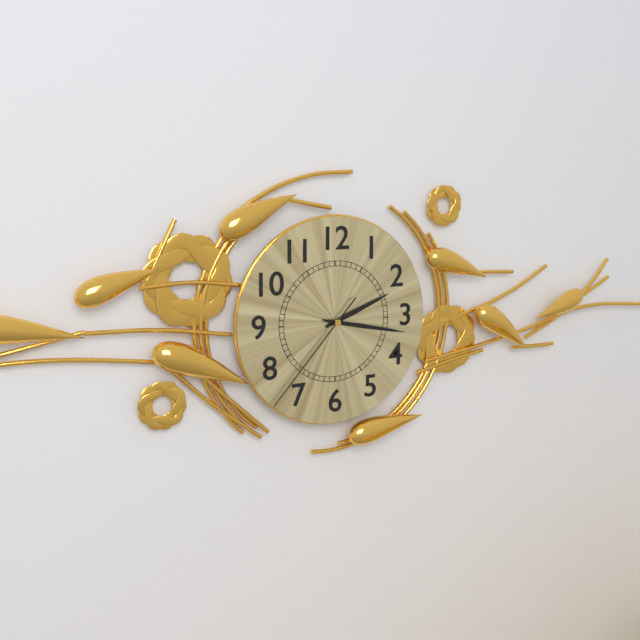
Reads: 2:17:37
